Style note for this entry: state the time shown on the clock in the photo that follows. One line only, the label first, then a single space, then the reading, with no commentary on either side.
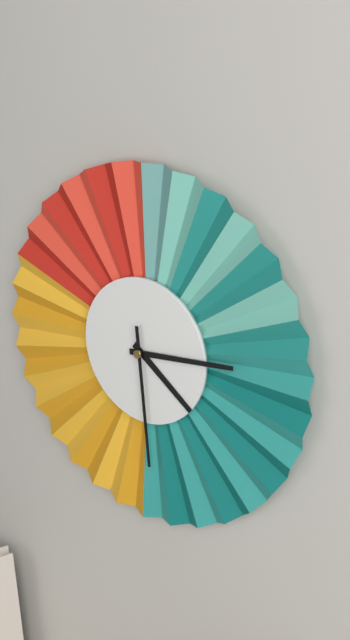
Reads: 4:14:29
